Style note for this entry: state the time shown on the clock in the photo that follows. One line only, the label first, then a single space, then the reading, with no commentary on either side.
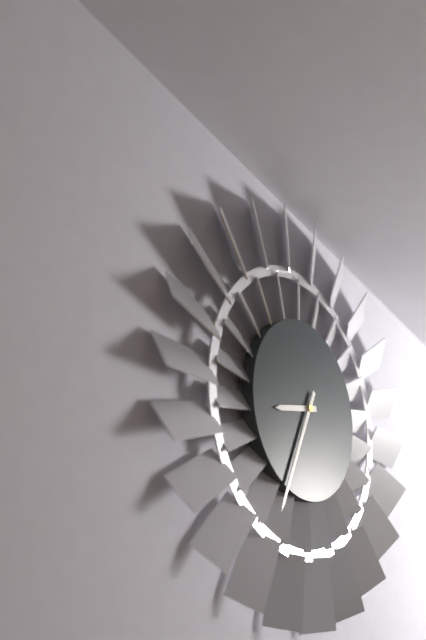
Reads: 8:34
